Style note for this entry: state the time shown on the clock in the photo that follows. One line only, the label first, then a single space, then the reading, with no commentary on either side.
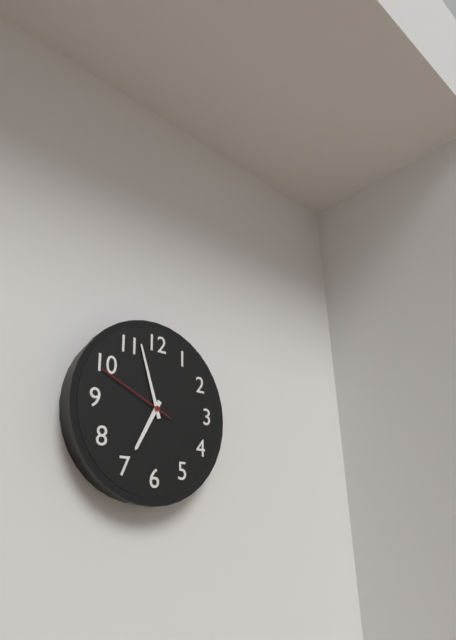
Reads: 6:57:49
